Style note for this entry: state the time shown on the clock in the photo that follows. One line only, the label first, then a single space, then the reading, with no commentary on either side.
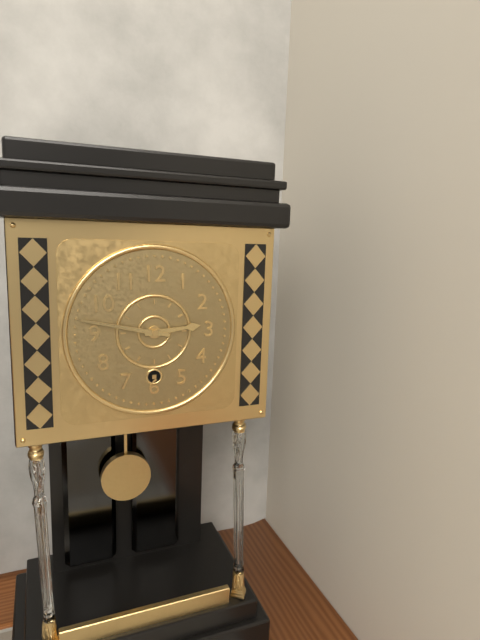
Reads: 2:47
